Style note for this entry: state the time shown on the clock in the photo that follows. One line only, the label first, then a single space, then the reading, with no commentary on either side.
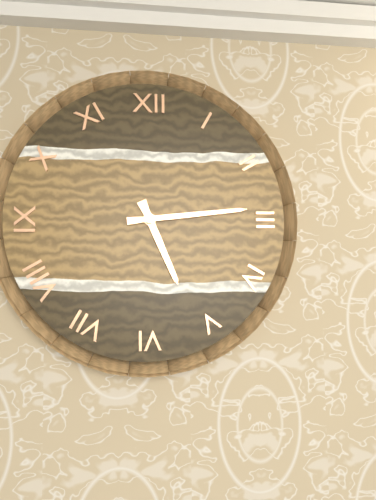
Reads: 5:14
